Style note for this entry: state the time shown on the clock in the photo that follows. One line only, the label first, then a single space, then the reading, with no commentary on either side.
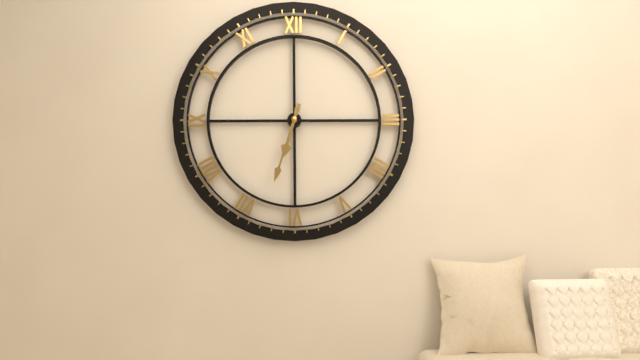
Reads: 6:33
